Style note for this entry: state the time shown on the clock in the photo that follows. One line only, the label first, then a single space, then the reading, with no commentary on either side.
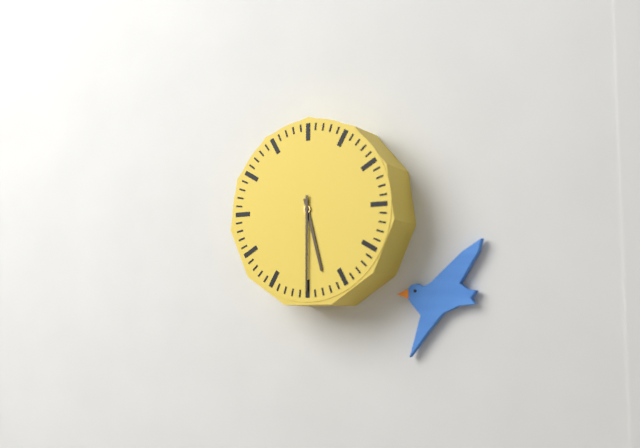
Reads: 5:30
